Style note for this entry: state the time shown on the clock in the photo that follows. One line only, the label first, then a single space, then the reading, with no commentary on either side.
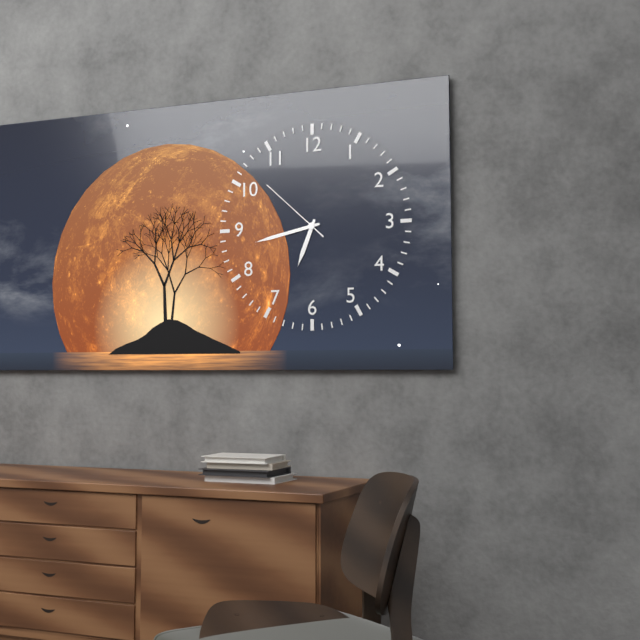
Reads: 6:43:52
